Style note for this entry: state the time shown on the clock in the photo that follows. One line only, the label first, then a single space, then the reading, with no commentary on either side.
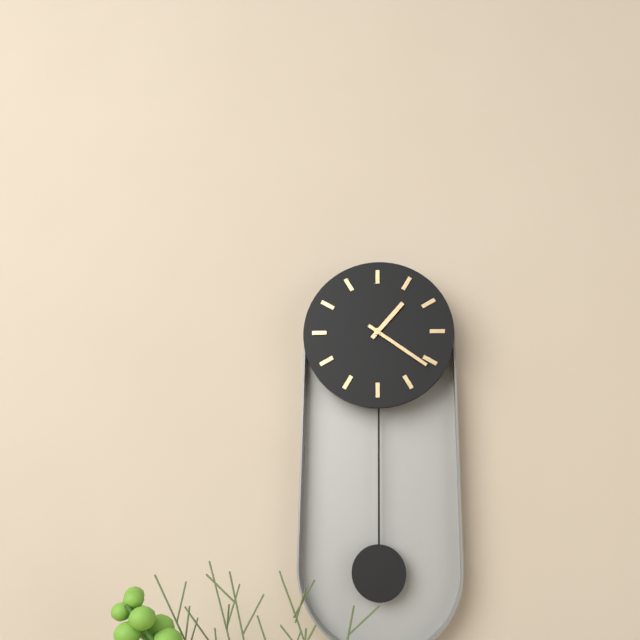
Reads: 1:21
